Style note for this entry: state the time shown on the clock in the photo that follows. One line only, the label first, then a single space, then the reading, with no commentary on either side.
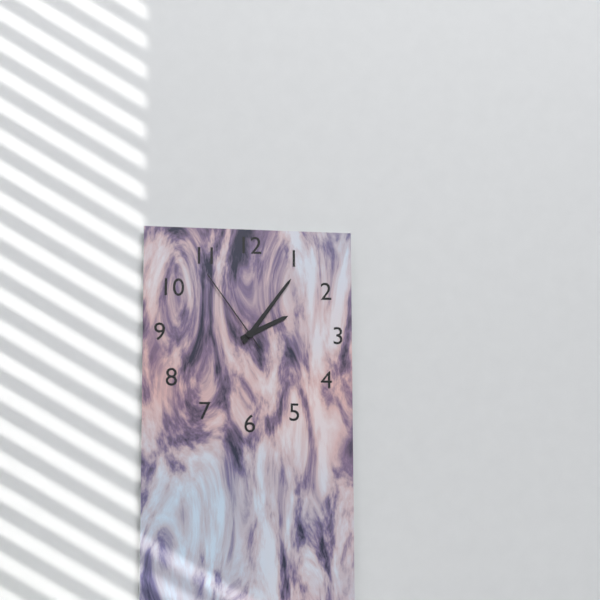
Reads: 2:06:54
